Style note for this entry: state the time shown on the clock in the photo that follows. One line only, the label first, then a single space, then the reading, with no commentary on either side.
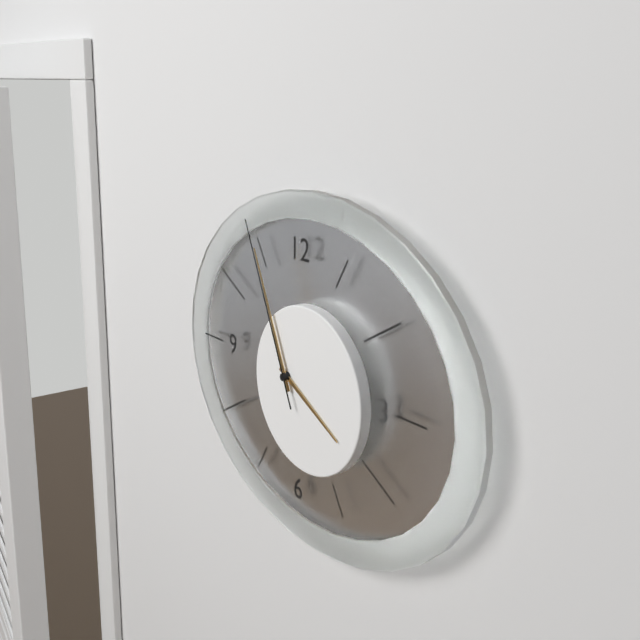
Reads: 3:56:56
